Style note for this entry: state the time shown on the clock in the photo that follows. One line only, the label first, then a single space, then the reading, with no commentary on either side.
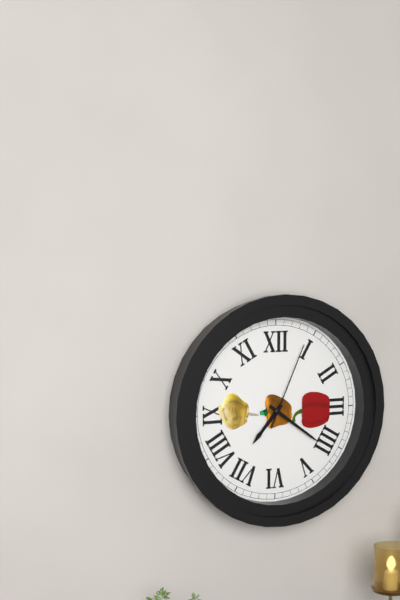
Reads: 7:21:04
